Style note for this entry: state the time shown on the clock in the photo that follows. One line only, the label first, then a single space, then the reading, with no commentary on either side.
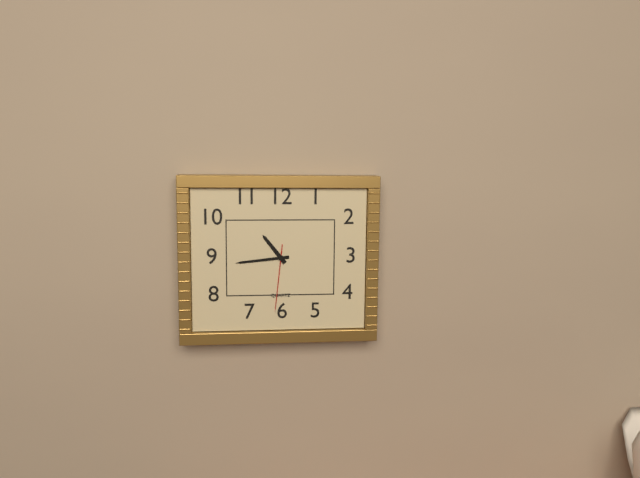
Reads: 10:44:31
